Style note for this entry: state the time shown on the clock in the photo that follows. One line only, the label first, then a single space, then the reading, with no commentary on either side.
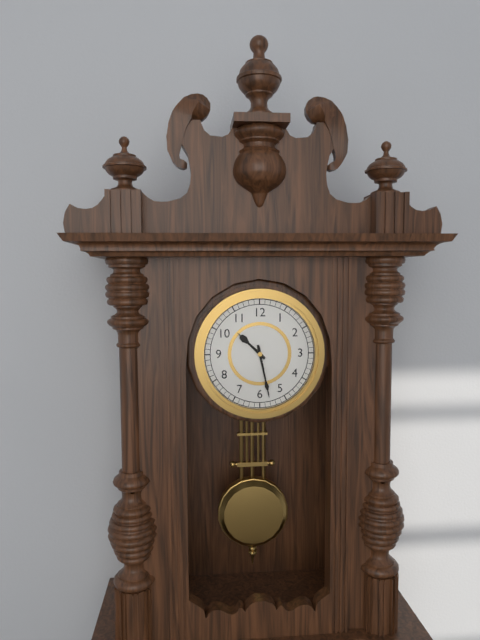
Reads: 10:28
